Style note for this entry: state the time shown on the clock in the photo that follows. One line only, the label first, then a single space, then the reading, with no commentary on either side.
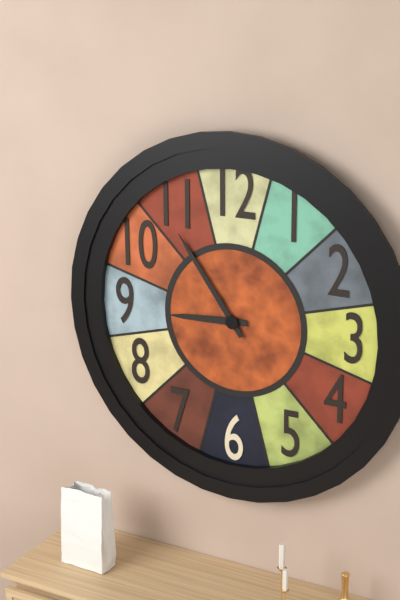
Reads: 8:54
